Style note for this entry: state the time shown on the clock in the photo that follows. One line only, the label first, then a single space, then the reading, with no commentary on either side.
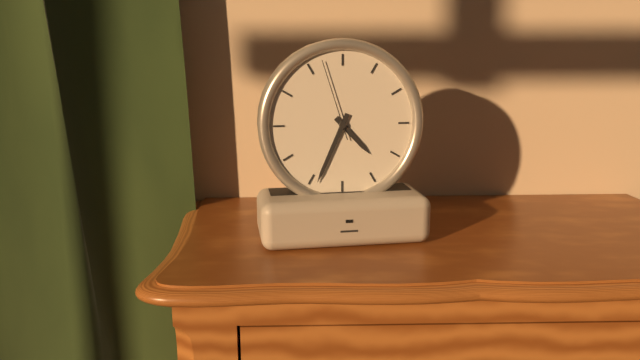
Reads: 4:34:57
